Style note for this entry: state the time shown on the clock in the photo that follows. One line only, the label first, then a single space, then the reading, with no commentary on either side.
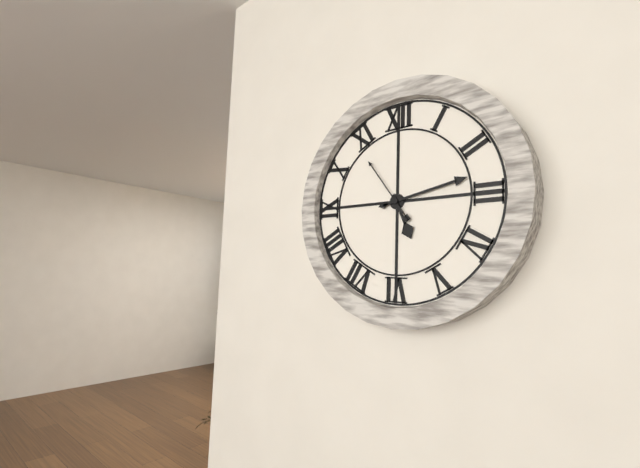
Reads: 5:13:54
